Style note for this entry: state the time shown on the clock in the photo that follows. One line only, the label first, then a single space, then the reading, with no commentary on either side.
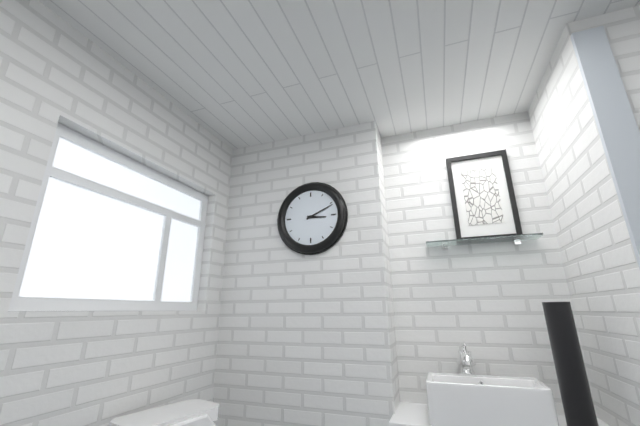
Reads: 3:11
